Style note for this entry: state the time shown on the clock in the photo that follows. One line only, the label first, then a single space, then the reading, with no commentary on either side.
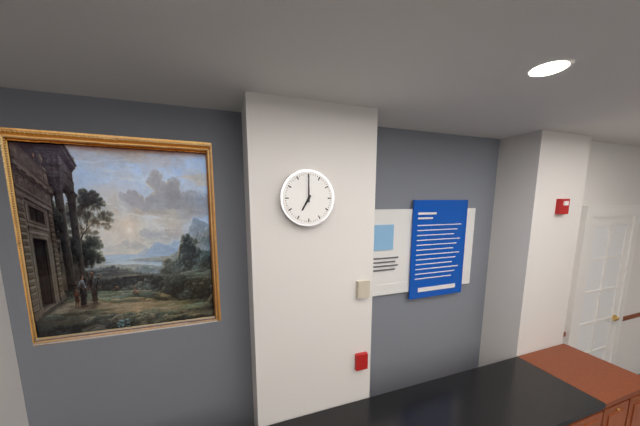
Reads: 7:00
